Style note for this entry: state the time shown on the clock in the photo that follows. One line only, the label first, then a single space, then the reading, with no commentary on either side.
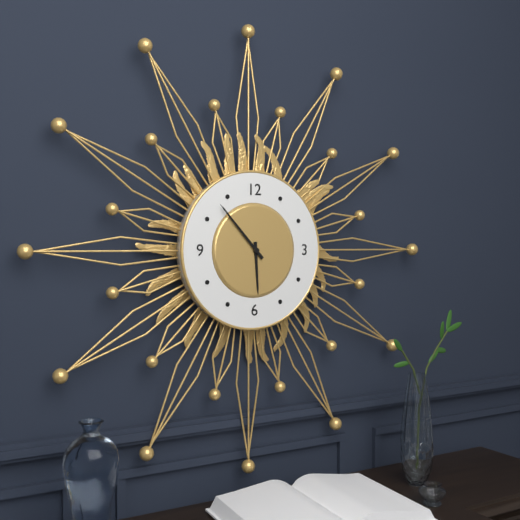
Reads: 5:53
